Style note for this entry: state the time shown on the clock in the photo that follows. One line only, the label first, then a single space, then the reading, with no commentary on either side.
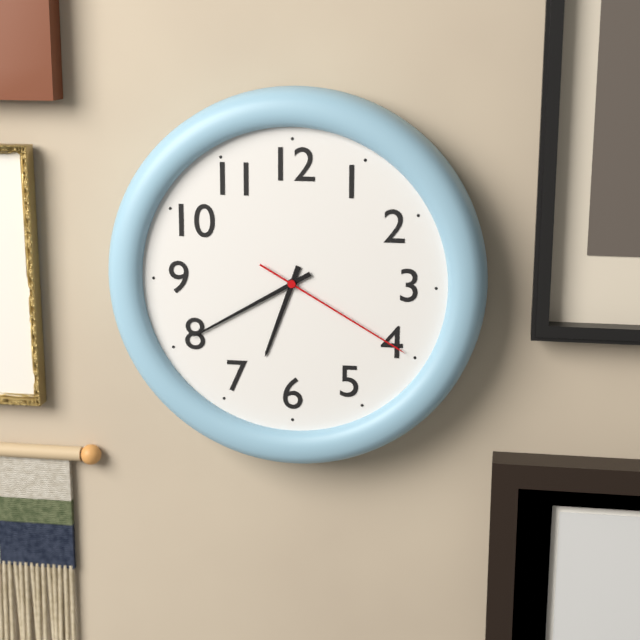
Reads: 6:40:20
